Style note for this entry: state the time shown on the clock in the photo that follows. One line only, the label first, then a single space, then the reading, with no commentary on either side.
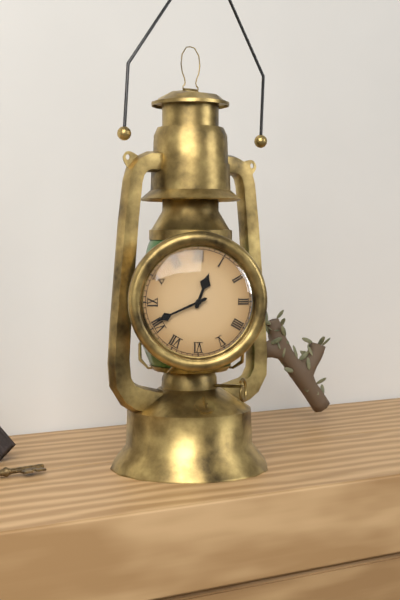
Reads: 12:41
